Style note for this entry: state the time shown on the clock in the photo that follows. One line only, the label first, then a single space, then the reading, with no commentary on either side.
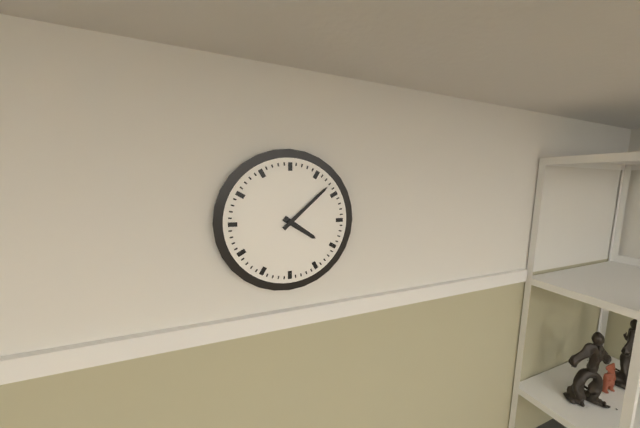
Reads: 4:08
